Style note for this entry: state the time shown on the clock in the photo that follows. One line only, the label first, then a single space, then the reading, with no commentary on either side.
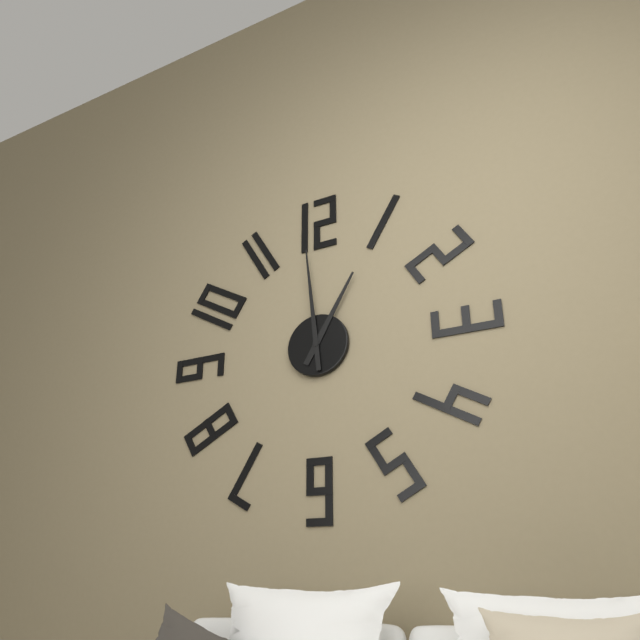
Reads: 12:59
